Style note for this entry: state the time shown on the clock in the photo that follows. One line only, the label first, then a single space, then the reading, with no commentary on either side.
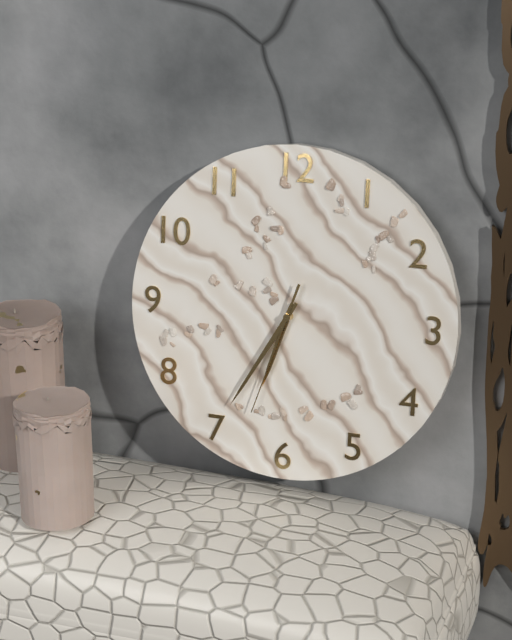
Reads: 6:35:33
